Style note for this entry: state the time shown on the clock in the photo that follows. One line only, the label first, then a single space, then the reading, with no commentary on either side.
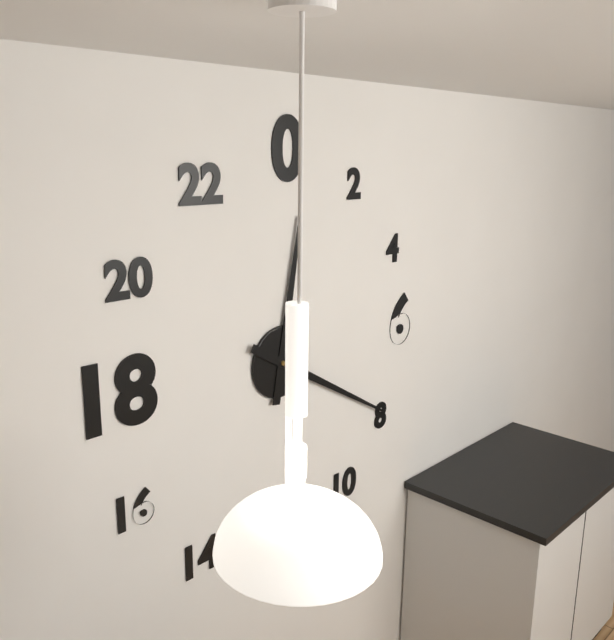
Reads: 12:20
